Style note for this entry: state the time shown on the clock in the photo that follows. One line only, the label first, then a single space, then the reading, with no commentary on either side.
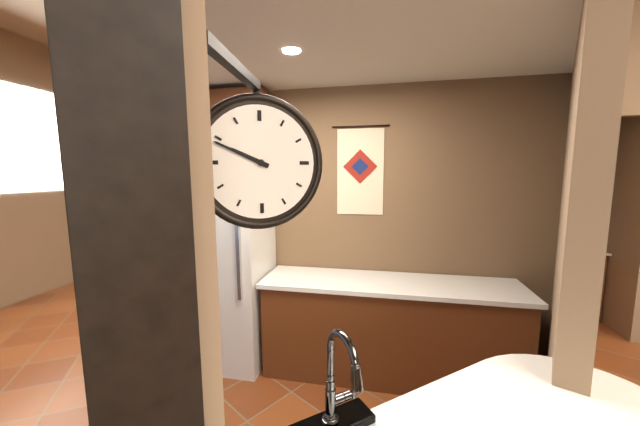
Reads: 9:49
